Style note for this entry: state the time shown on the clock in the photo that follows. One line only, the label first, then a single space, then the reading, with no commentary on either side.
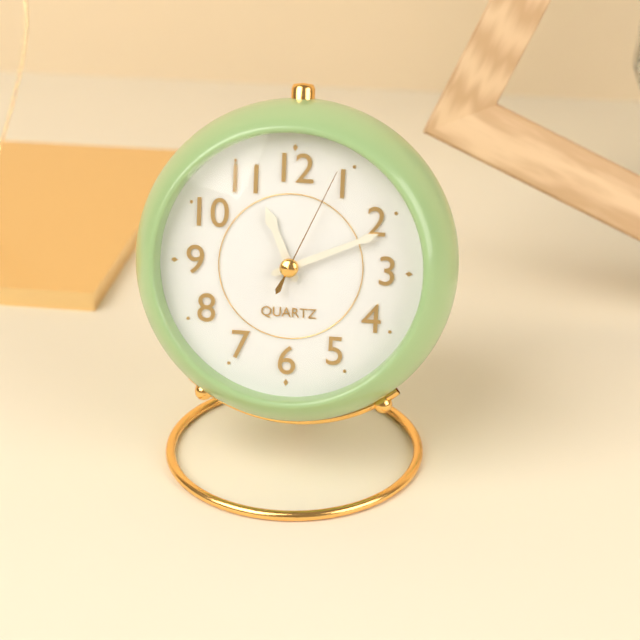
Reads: 11:11:04
